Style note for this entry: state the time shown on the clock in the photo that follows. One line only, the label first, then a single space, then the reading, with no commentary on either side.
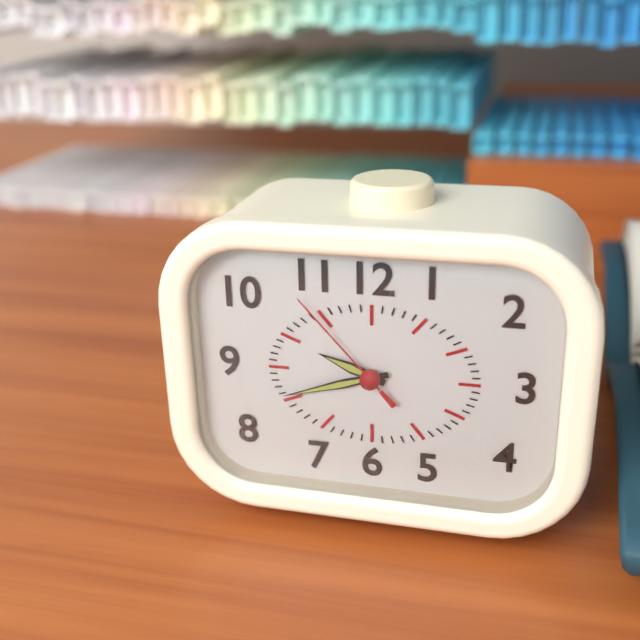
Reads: 9:42:53
